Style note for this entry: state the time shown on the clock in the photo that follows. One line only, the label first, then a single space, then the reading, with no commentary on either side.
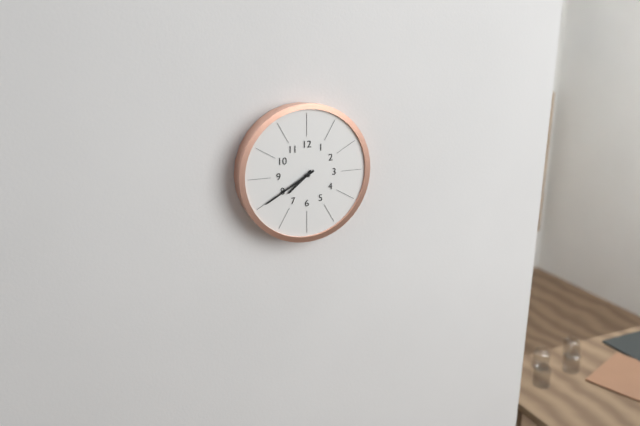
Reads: 7:40
